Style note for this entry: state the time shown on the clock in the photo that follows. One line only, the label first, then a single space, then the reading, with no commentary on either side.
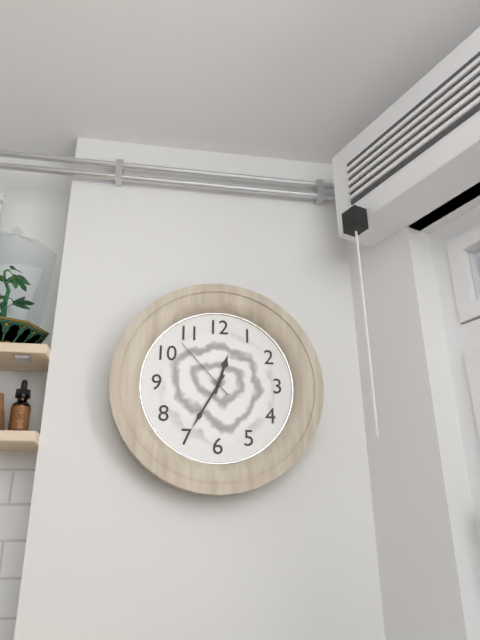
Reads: 12:35:53
